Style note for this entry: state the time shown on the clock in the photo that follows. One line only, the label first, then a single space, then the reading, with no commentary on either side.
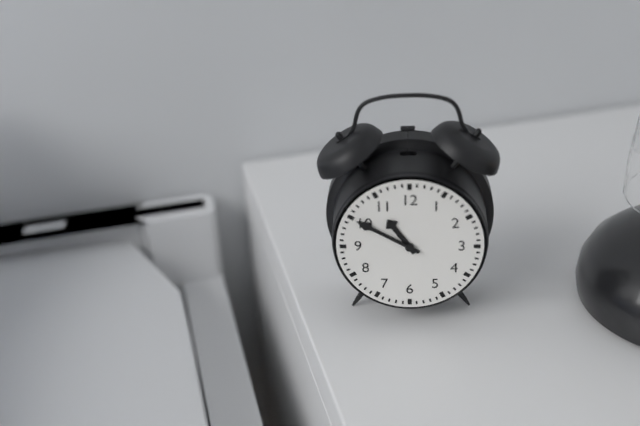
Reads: 10:50
